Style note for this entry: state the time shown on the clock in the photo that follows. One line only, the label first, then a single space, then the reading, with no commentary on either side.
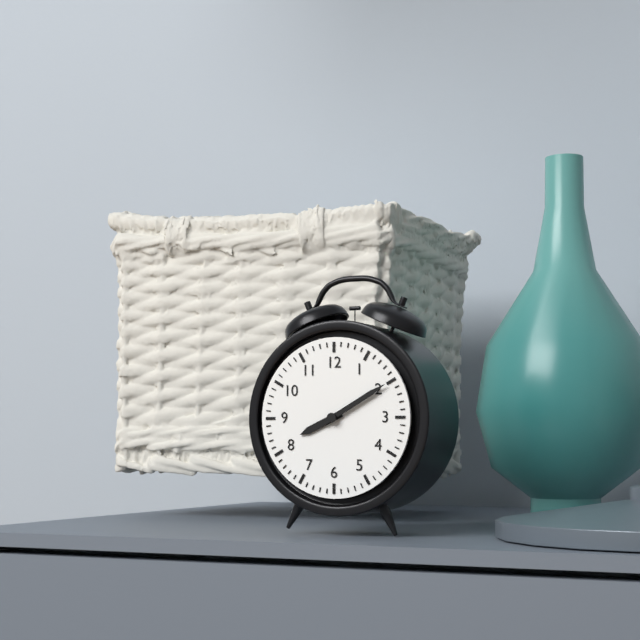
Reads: 8:10
